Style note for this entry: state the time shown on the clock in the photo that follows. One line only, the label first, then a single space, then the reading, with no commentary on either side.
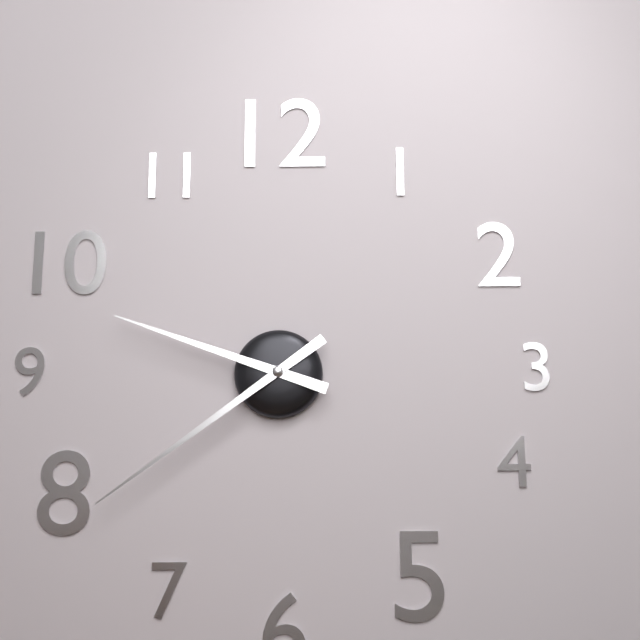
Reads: 9:39
